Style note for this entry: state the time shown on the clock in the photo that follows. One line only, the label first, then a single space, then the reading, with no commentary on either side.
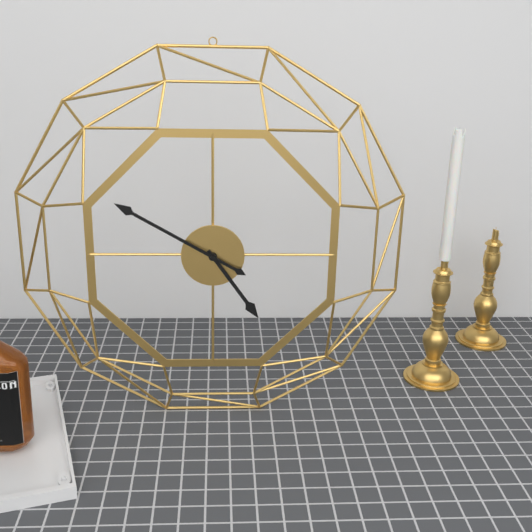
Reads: 4:50
